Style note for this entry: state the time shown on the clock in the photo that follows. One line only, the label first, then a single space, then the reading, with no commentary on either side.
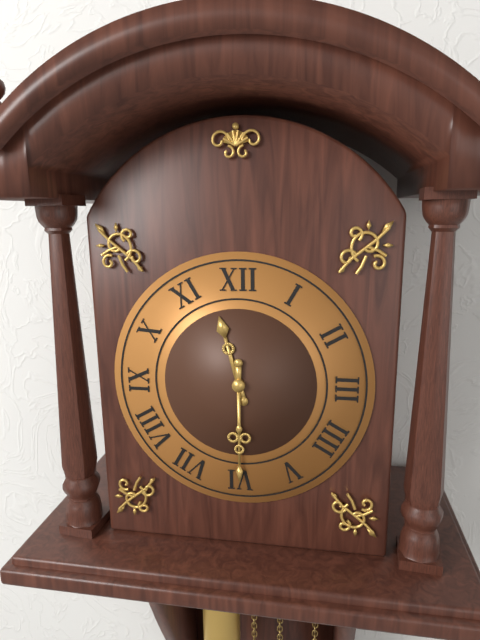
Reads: 11:30
